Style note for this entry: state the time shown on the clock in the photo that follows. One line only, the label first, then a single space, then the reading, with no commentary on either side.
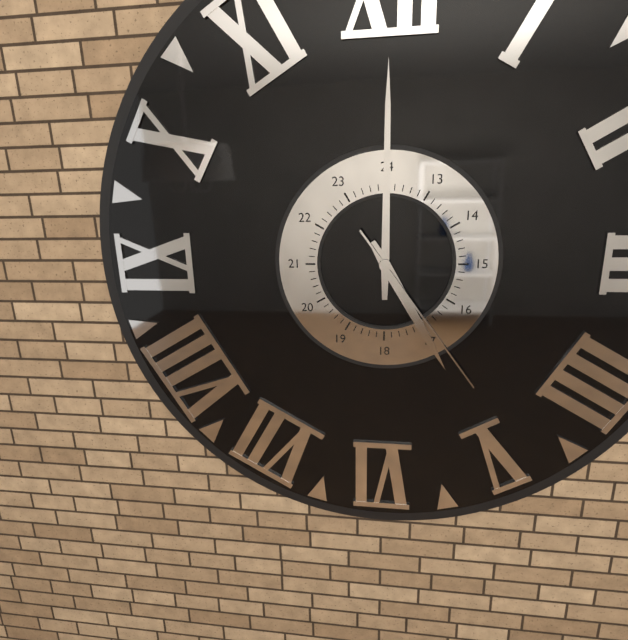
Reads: 5:00:24
